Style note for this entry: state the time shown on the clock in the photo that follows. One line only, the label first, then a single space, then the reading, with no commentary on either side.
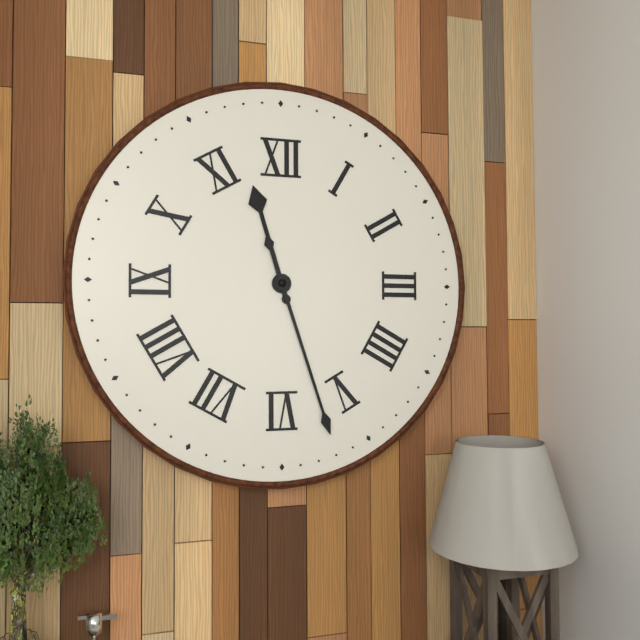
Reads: 11:27
